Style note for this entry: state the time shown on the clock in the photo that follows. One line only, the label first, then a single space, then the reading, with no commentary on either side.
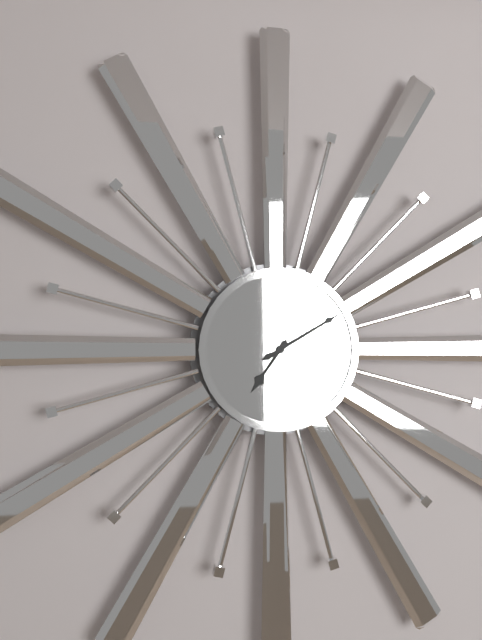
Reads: 7:10
